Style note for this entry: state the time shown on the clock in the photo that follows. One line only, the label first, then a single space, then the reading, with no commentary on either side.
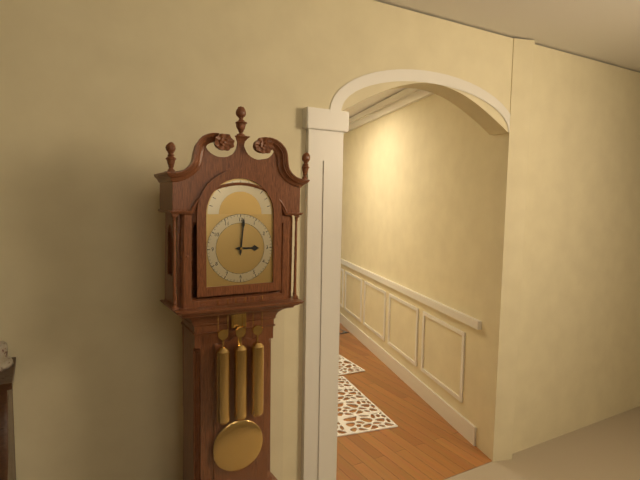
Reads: 3:01
